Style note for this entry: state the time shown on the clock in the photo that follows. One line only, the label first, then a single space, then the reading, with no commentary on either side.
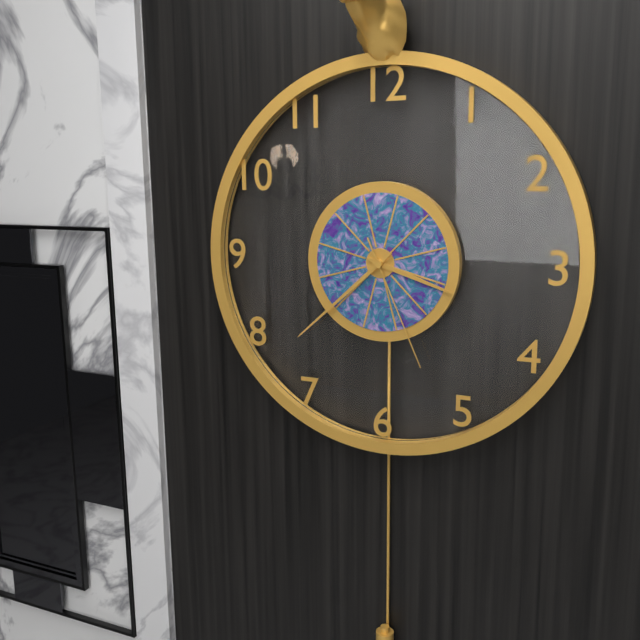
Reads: 3:38:26
